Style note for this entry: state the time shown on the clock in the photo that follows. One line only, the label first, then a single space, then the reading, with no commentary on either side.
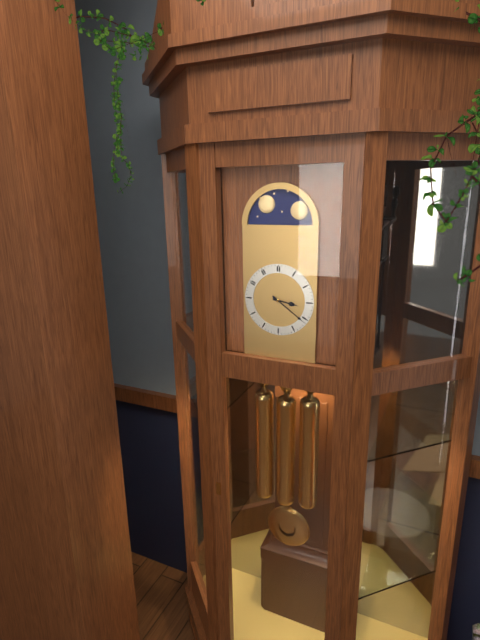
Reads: 3:21
